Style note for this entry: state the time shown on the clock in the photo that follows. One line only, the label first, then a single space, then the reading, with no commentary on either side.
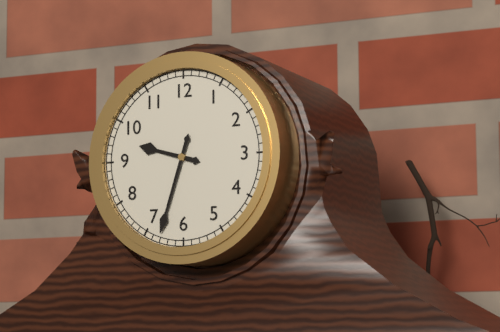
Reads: 9:33
